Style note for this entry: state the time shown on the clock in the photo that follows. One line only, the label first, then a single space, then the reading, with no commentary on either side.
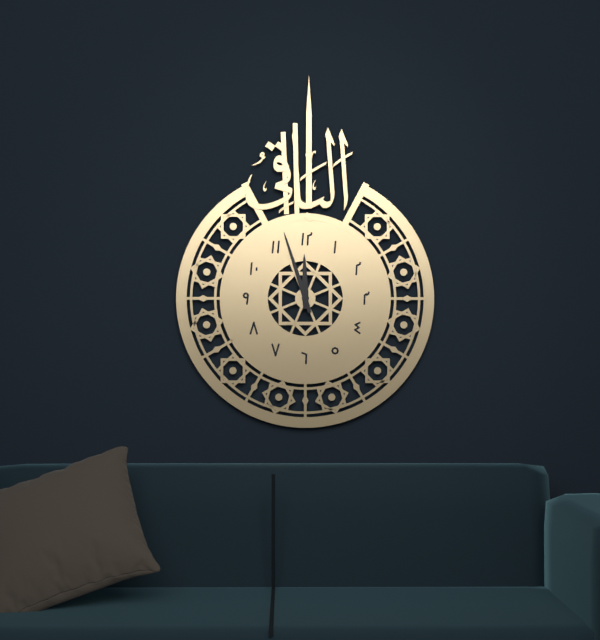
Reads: 11:57
